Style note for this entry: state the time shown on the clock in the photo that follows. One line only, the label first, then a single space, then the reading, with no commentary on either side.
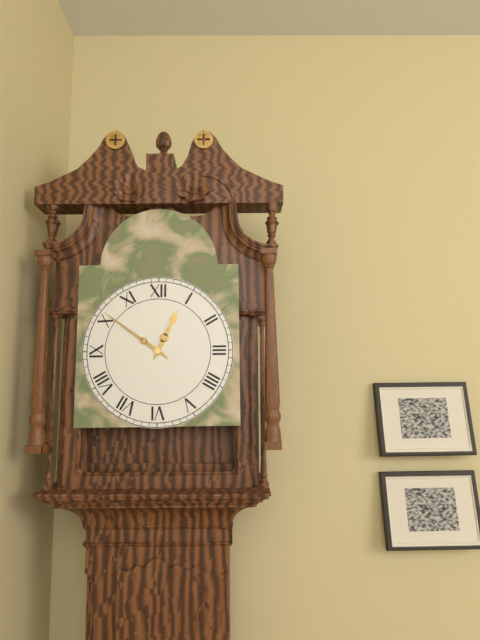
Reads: 12:51
